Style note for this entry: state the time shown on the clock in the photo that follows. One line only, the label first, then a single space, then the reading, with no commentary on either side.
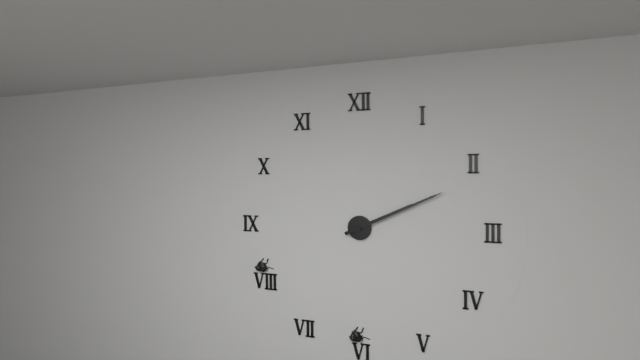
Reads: 2:11
